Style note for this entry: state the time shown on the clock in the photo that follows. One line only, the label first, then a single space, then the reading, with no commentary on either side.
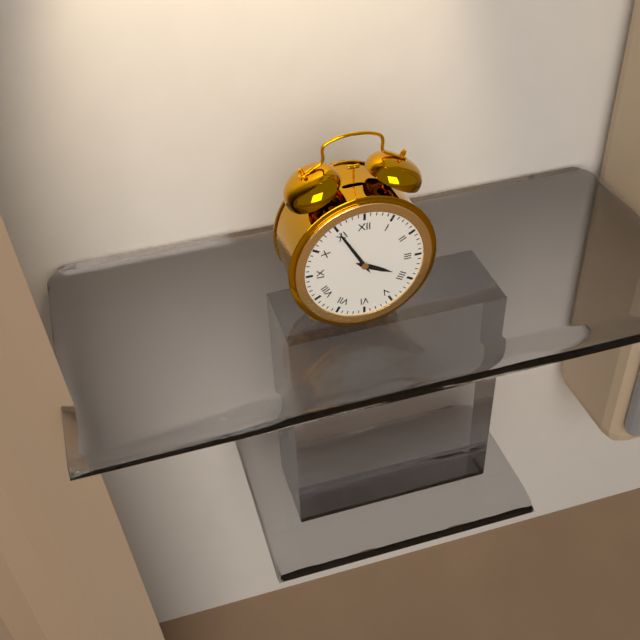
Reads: 3:55
